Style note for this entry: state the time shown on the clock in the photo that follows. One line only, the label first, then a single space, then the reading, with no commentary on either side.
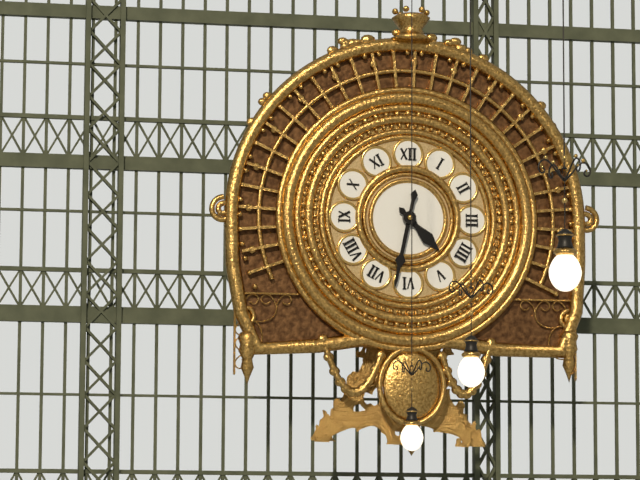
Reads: 4:32
